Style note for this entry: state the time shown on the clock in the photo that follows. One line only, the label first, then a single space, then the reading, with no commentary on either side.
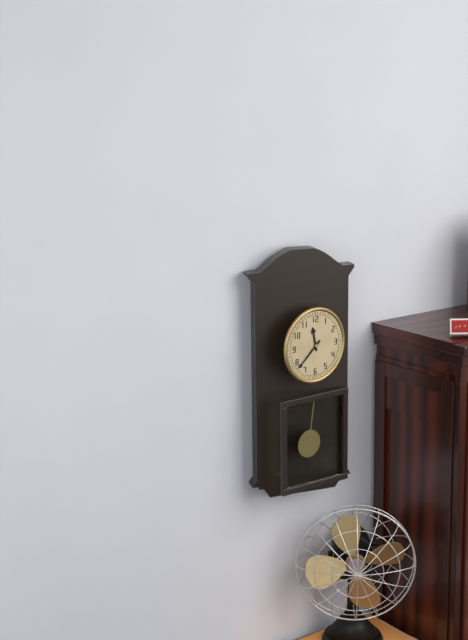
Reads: 11:38
